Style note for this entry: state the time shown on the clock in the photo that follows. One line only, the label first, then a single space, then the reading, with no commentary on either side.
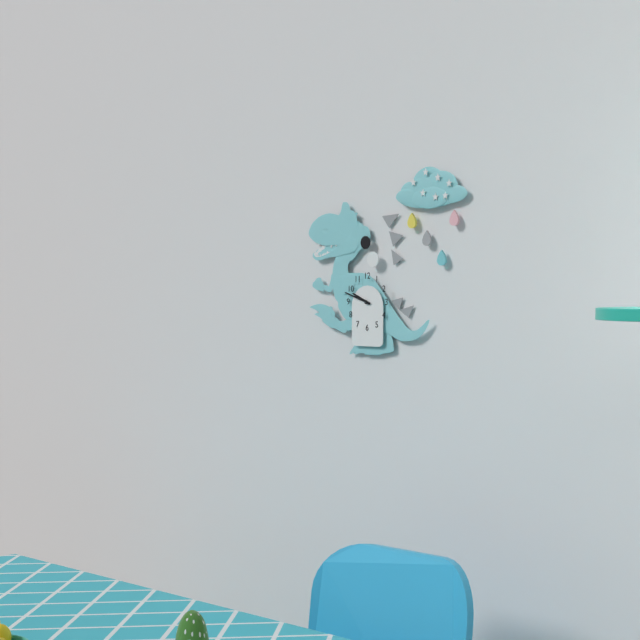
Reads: 9:48
